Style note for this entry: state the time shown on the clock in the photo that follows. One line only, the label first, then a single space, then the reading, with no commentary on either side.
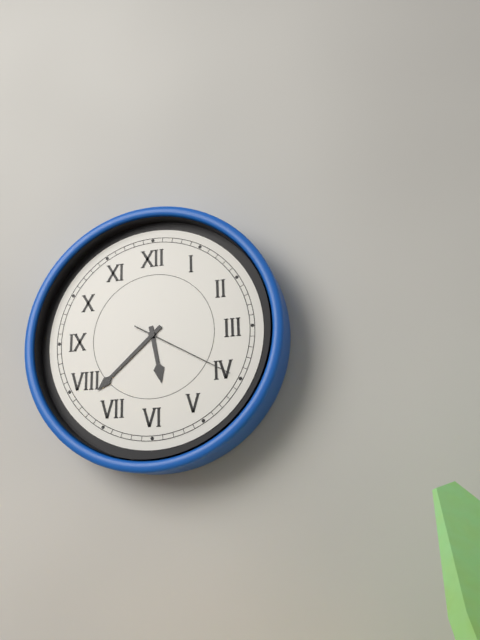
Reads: 5:38:20
